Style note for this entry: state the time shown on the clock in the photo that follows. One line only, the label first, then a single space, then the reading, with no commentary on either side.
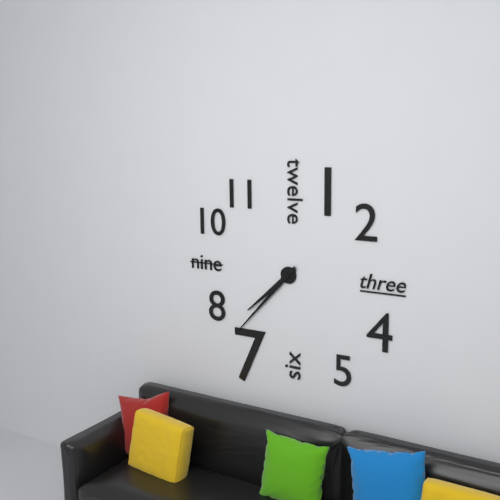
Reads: 7:37
